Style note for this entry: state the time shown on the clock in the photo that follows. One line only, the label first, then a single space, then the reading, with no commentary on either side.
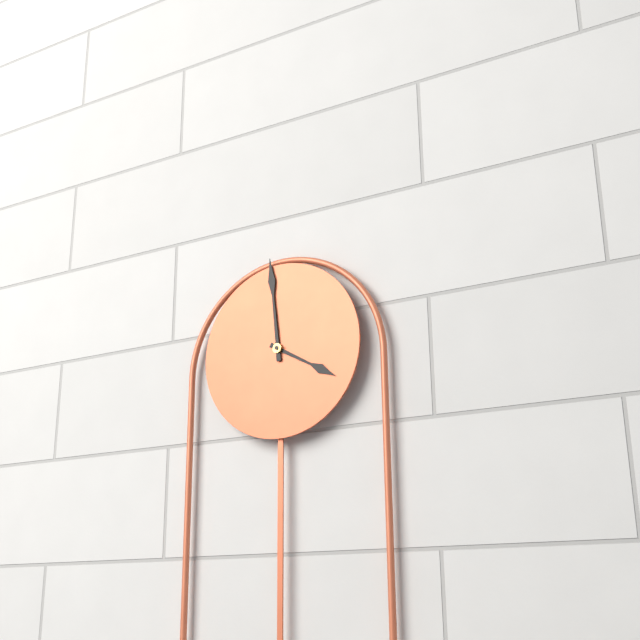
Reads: 3:59
